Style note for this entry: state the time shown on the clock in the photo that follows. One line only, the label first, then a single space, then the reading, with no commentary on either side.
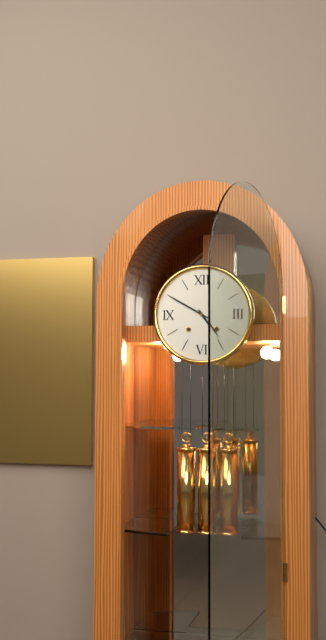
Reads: 4:50
